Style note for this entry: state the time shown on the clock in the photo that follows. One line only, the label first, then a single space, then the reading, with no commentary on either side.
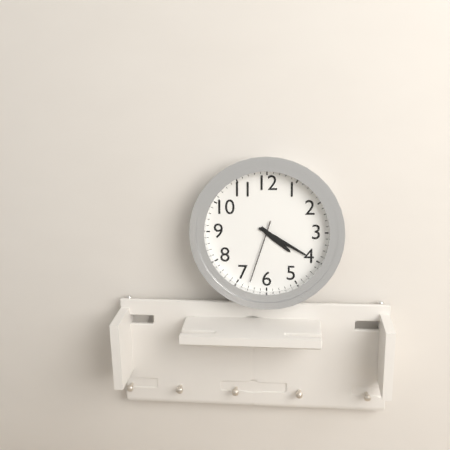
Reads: 4:20:33
